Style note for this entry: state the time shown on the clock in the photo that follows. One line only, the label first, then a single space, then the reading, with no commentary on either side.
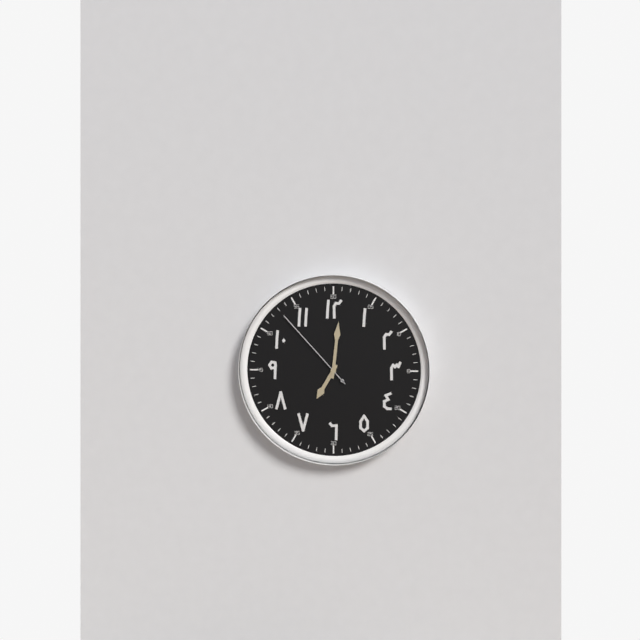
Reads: 7:01:53
